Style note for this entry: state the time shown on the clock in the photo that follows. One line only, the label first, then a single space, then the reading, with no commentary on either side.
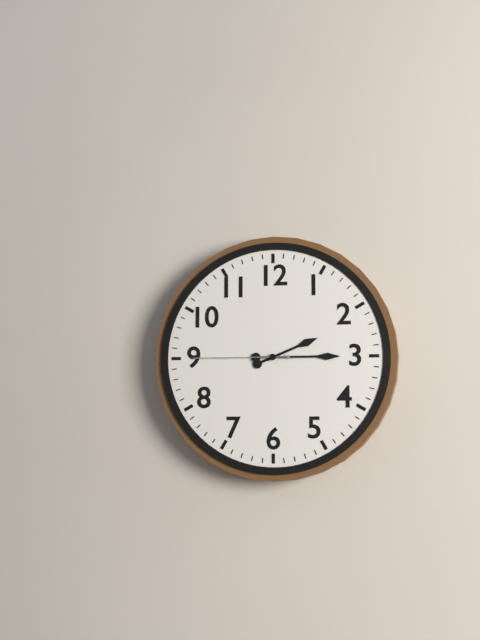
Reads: 2:15:45
